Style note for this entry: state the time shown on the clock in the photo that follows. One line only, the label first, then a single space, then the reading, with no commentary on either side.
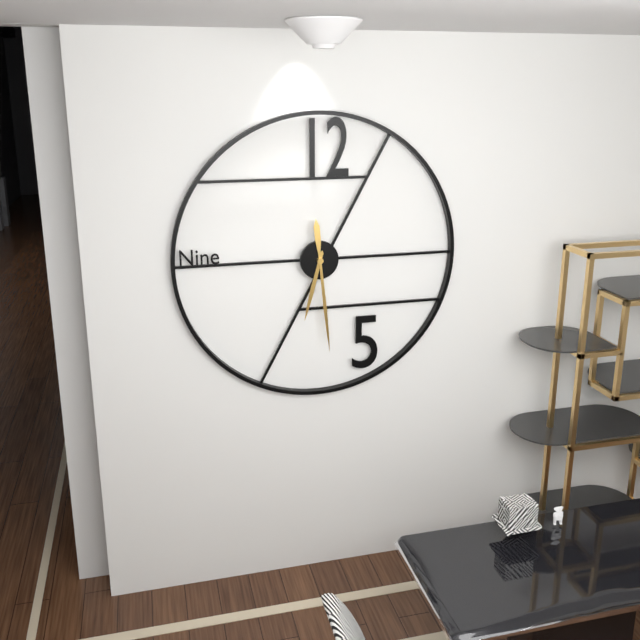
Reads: 6:29
